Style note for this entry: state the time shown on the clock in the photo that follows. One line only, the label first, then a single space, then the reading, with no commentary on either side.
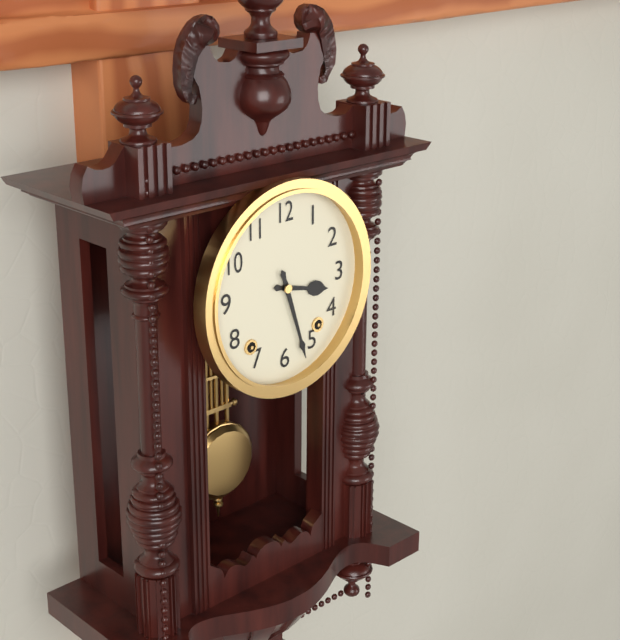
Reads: 3:27
